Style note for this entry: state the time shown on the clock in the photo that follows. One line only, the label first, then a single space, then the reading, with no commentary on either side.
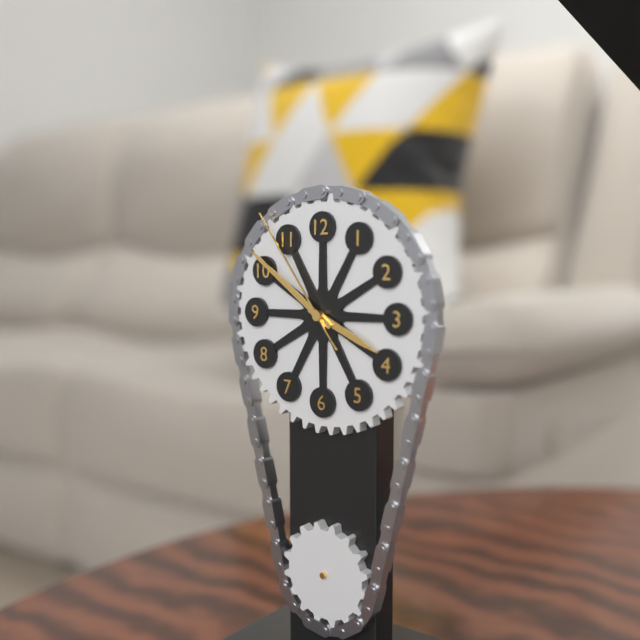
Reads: 3:51:54
